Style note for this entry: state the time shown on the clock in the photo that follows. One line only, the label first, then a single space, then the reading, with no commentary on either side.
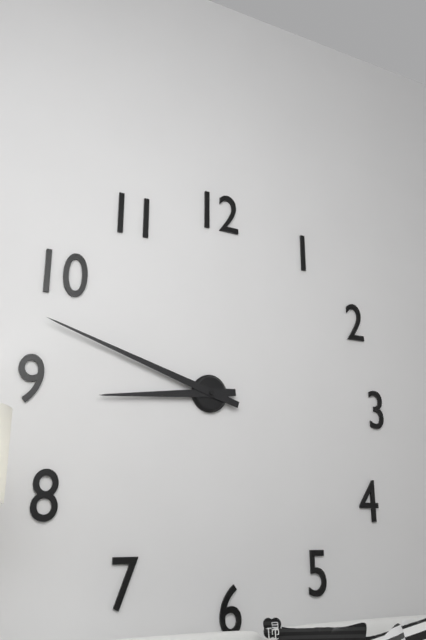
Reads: 8:48
